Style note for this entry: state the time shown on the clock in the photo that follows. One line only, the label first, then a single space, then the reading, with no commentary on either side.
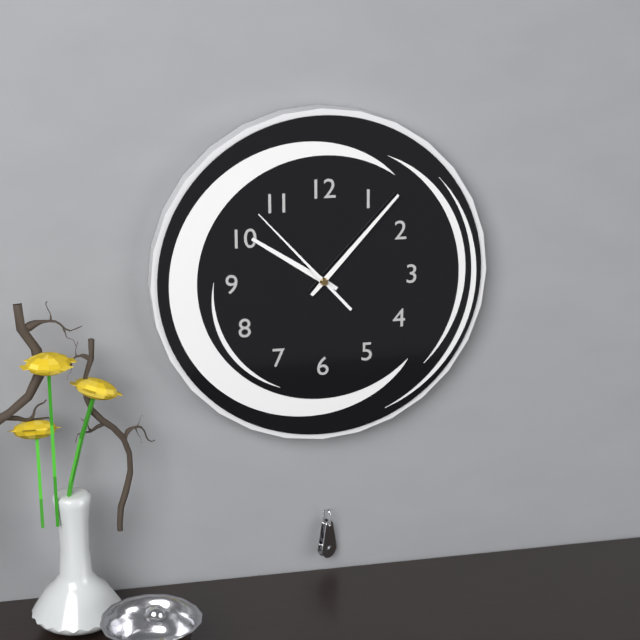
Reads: 10:07:53
